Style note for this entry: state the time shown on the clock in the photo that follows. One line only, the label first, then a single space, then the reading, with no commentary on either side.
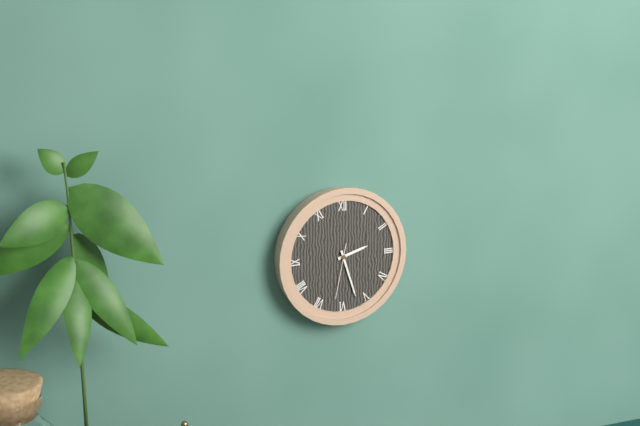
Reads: 2:27:32
